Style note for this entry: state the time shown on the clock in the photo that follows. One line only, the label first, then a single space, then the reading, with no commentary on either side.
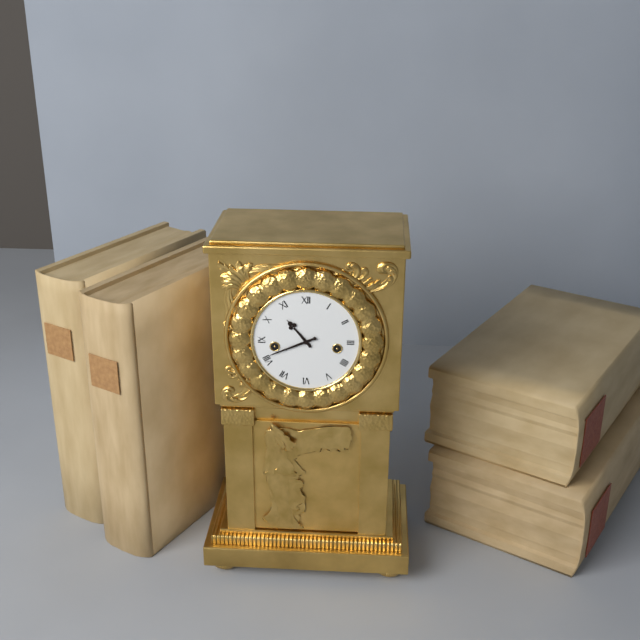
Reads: 10:41
